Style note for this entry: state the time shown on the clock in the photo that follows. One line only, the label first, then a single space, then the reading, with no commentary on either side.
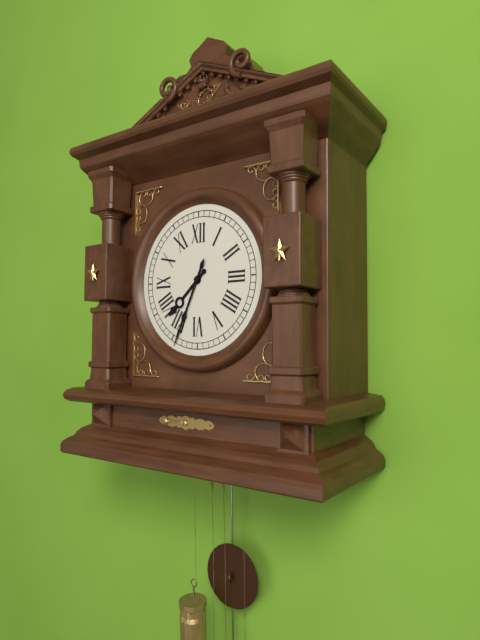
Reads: 7:34
